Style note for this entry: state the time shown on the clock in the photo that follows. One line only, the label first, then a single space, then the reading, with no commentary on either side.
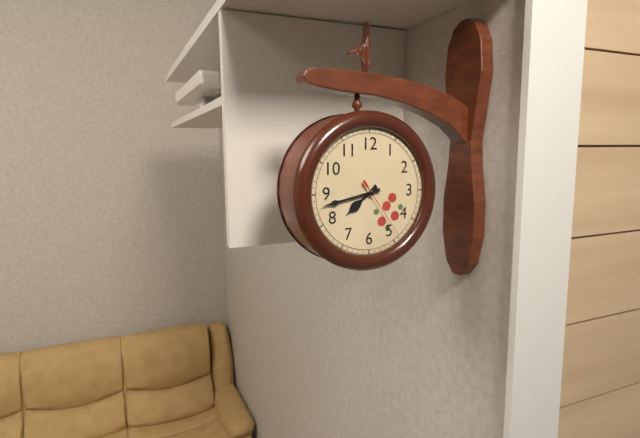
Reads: 7:43:24
